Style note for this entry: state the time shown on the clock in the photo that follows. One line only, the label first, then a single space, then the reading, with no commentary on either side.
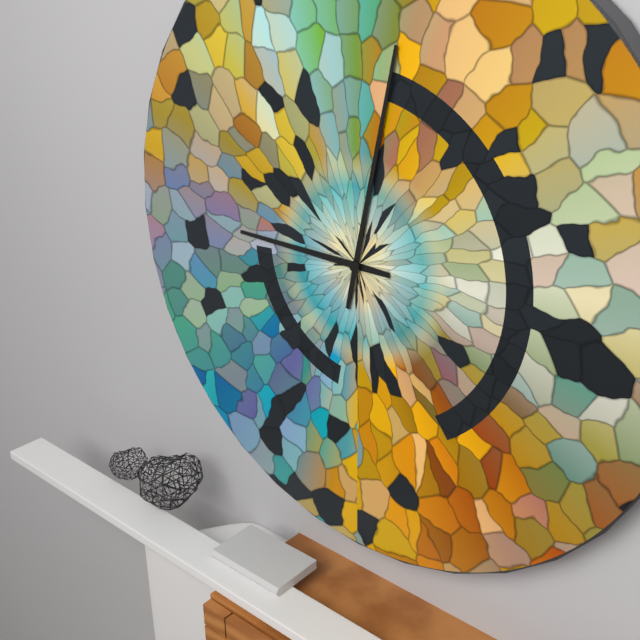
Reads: 9:02
